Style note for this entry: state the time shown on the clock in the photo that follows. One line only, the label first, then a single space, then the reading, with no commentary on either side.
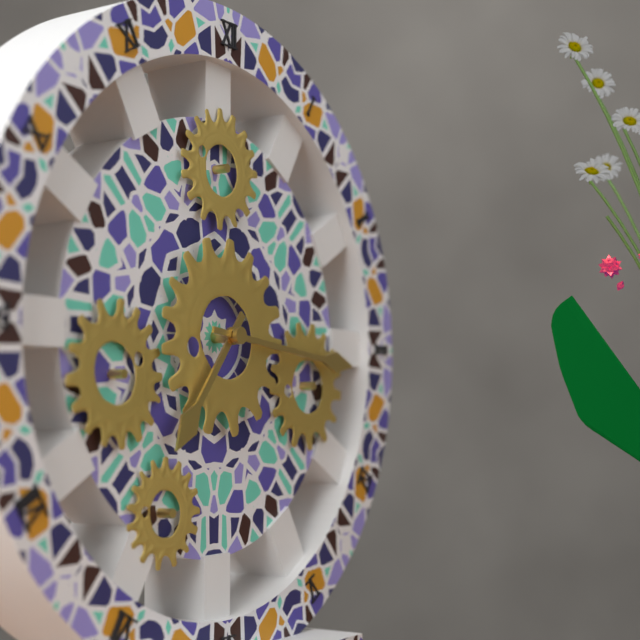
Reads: 7:16
